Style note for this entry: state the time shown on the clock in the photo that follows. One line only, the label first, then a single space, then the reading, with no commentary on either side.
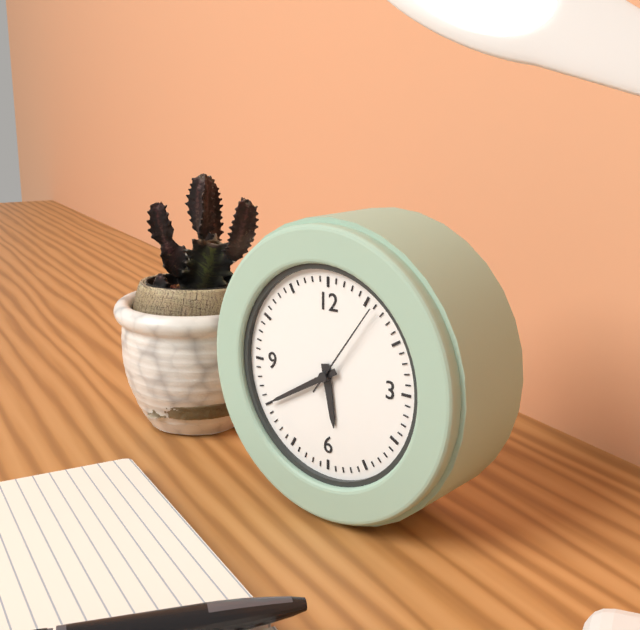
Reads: 5:40:06
